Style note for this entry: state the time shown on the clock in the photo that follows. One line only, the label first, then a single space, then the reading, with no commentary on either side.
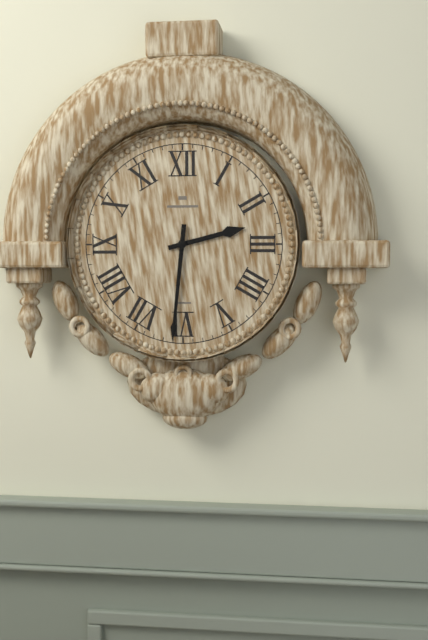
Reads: 2:31
